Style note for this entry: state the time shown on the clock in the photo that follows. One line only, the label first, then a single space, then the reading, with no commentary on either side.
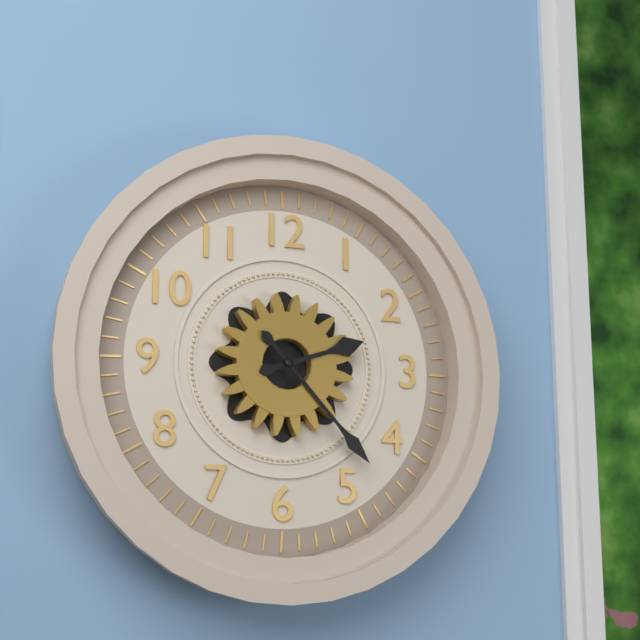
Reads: 2:23
